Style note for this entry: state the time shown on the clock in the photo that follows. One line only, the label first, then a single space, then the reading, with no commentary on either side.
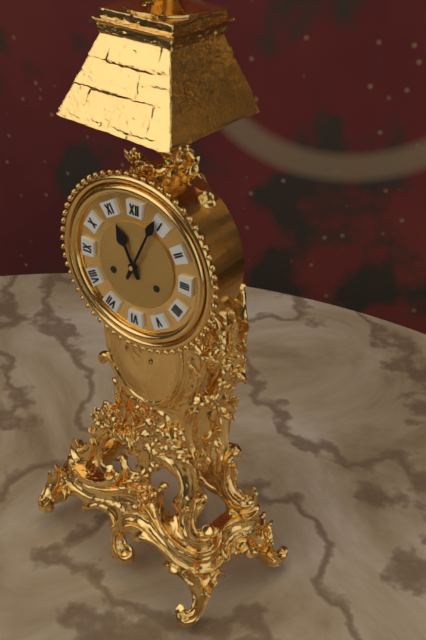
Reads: 11:04
